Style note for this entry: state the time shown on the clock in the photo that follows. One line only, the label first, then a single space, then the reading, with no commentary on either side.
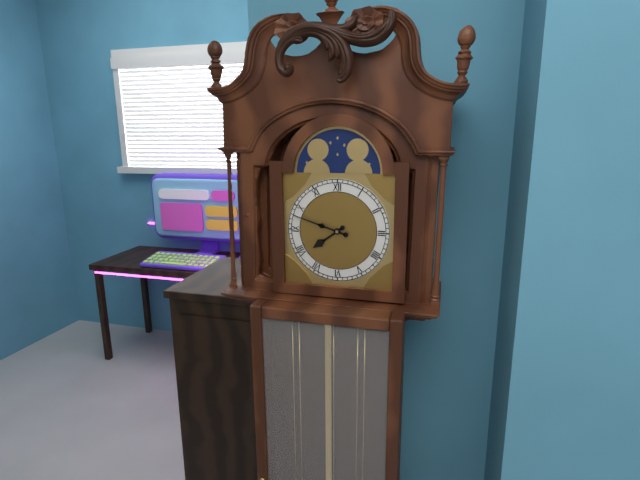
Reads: 7:48
